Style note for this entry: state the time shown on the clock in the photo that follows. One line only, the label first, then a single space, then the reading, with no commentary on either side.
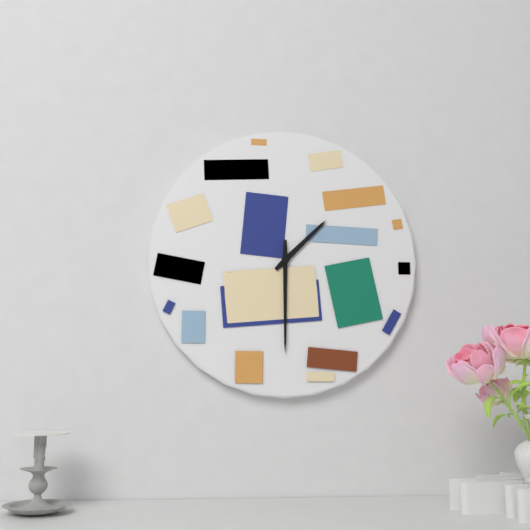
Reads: 1:30
